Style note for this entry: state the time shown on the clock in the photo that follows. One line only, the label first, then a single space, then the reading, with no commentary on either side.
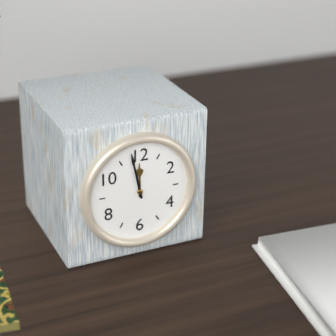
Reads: 11:58
